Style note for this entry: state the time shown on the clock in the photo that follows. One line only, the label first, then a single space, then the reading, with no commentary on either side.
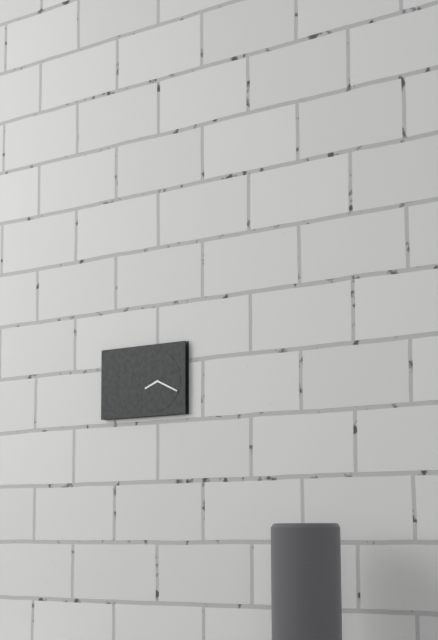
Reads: 8:19
